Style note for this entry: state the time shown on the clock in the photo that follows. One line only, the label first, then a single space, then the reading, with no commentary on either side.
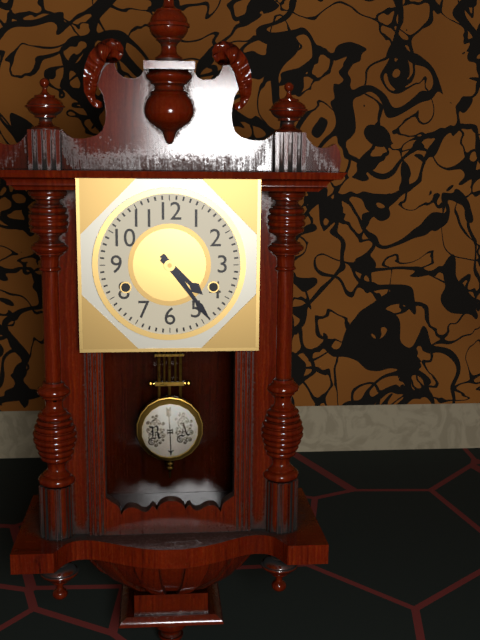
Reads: 4:24
